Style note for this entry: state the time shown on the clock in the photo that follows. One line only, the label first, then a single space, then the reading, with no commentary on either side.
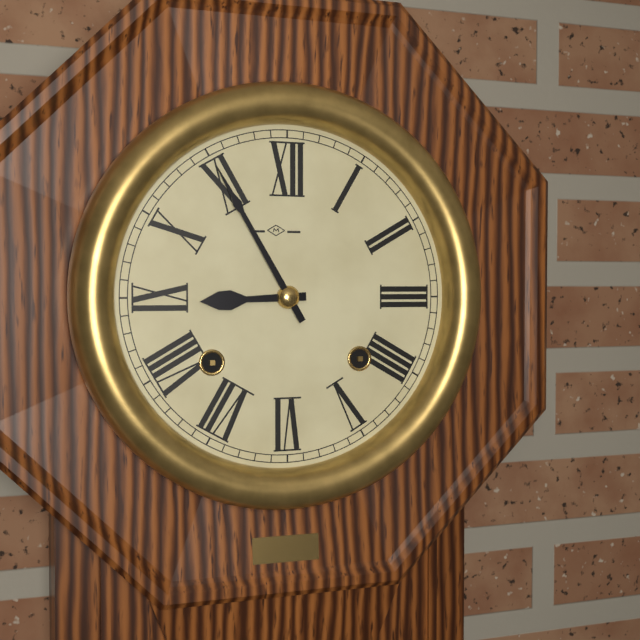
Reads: 8:55
